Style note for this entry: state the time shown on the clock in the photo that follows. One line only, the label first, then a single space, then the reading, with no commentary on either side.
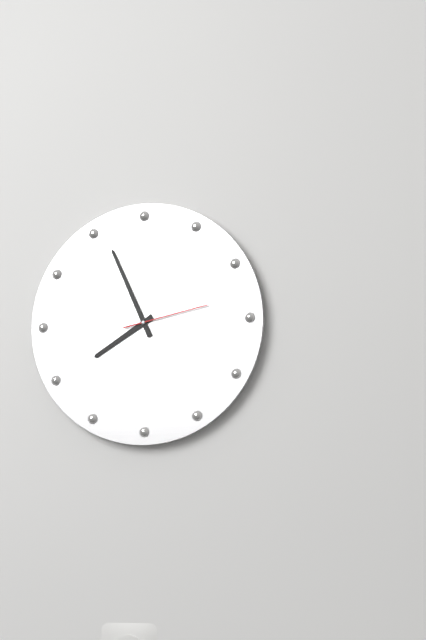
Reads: 7:56:13
